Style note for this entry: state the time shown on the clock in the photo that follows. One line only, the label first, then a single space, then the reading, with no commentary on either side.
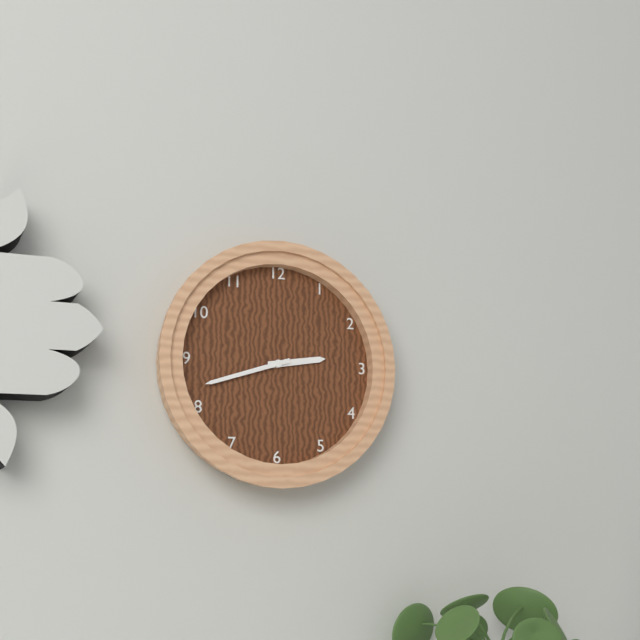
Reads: 2:42
